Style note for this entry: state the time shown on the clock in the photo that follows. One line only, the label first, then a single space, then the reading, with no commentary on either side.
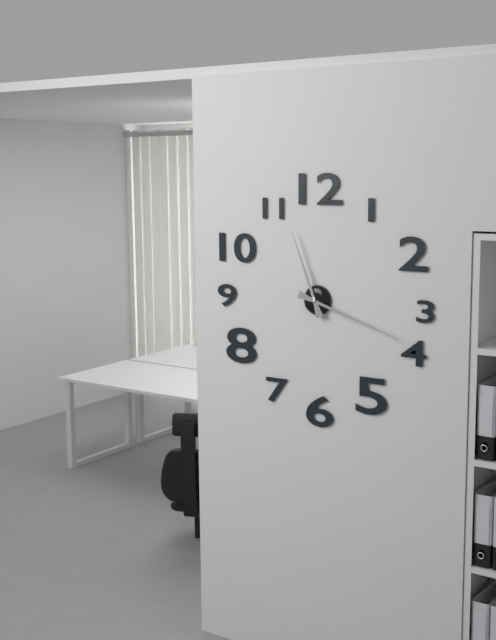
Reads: 11:18
